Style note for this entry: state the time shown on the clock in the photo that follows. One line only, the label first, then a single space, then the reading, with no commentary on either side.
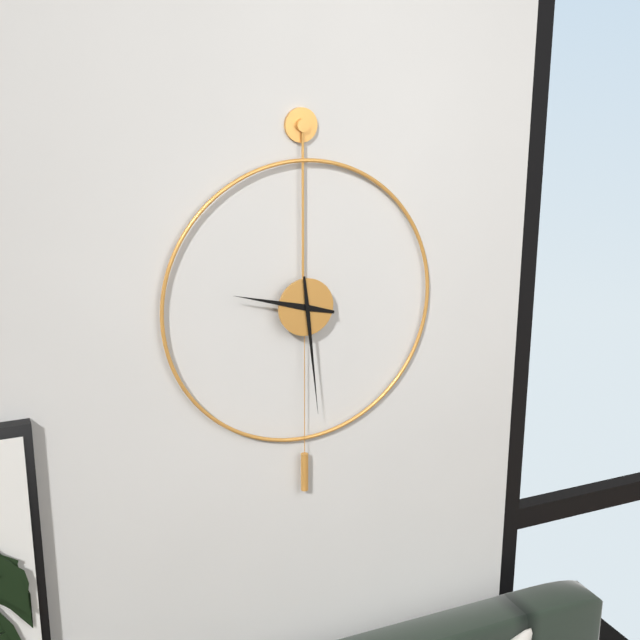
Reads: 9:29
